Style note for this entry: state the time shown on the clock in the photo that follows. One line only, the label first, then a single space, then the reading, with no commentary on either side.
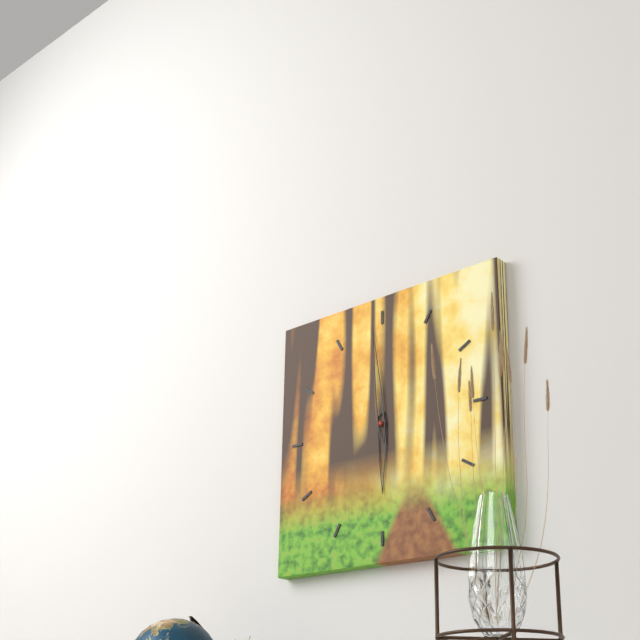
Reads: 5:59
